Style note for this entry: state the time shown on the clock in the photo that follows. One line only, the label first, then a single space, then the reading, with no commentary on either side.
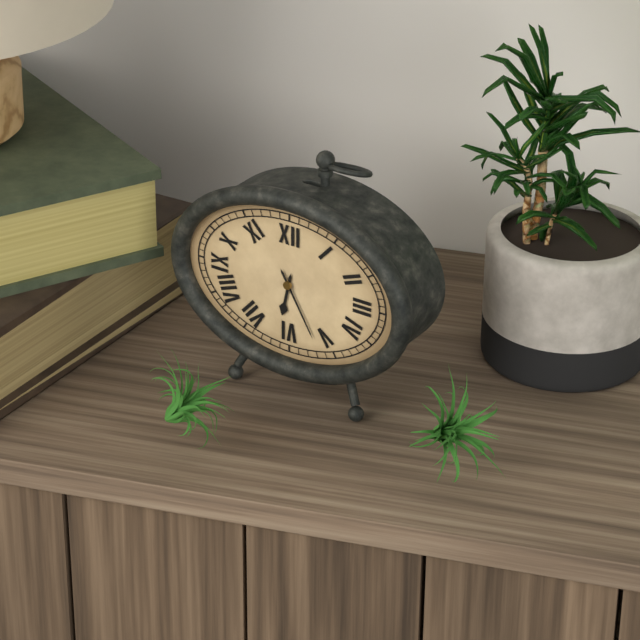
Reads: 6:25
